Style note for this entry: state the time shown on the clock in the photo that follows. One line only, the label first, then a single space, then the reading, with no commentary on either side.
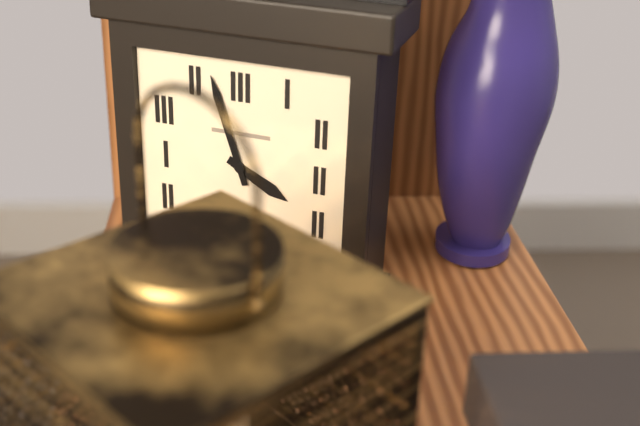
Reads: 3:57
